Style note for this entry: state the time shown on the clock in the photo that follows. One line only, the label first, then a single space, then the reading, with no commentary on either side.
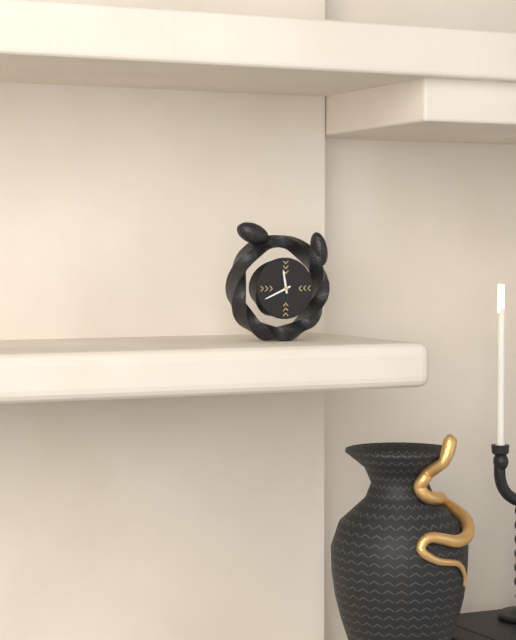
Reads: 11:41
